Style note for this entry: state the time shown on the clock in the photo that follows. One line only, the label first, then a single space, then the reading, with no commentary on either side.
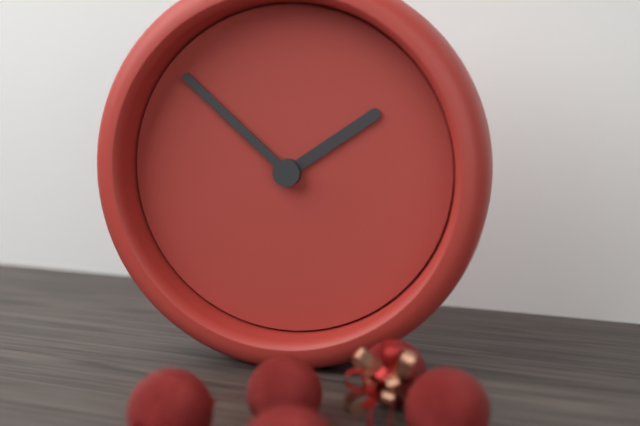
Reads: 1:52
